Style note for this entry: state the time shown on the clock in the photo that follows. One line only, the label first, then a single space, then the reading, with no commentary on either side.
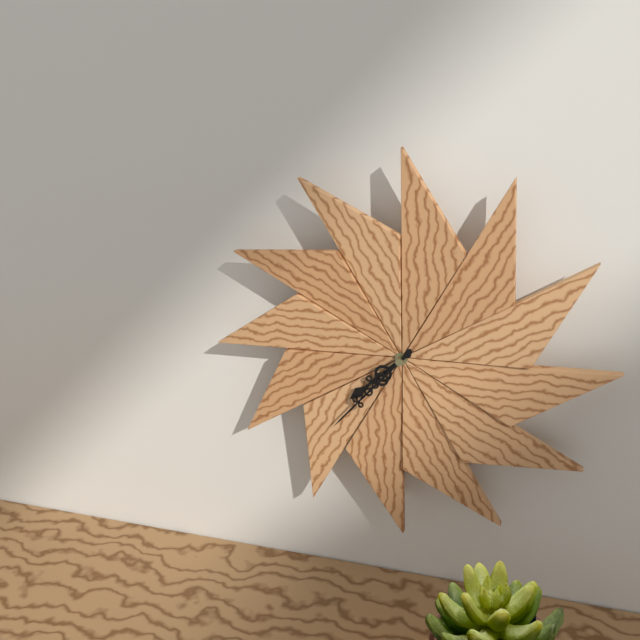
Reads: 7:37
